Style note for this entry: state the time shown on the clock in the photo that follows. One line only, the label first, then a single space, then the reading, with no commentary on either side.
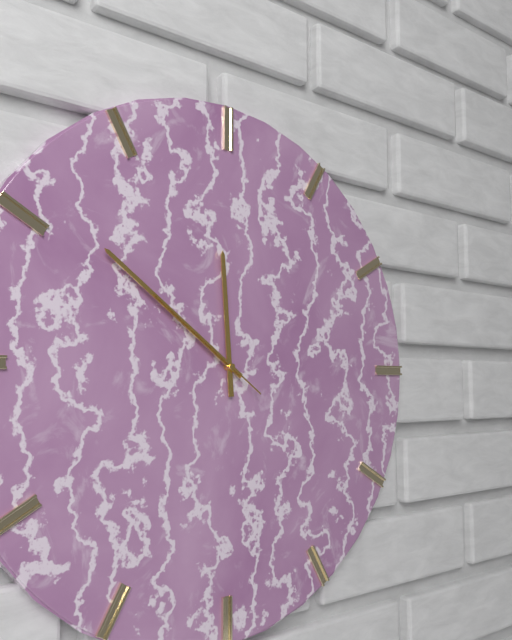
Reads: 11:51:51
